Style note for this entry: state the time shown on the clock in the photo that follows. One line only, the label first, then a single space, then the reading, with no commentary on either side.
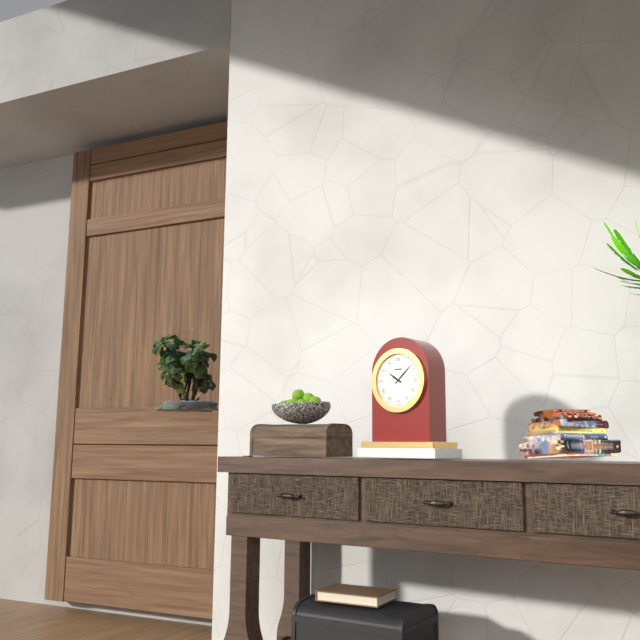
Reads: 10:08
